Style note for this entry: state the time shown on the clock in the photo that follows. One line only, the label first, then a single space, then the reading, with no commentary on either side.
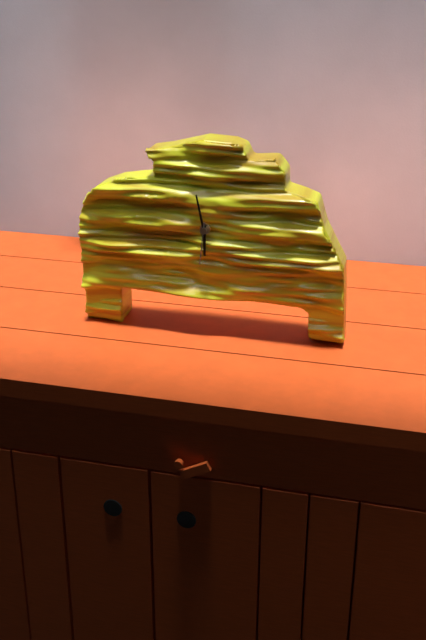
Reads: 5:58
